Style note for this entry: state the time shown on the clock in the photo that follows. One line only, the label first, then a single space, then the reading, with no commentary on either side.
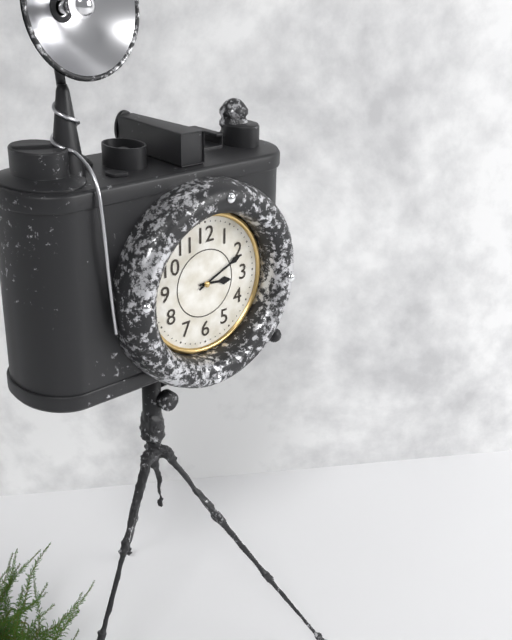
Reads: 3:11
